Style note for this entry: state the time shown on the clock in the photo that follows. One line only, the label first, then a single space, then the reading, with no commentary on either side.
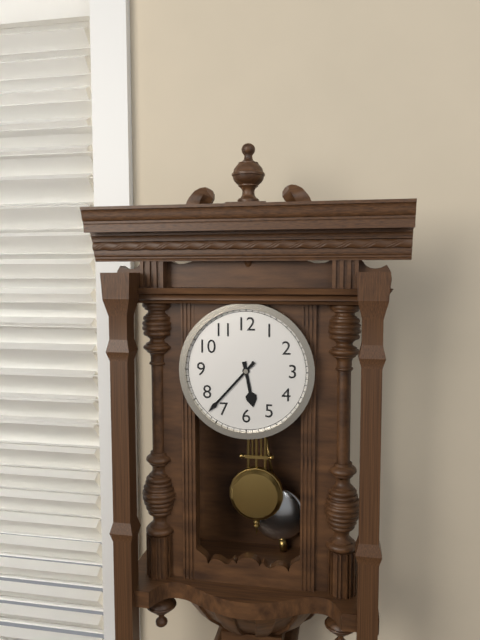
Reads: 5:37
